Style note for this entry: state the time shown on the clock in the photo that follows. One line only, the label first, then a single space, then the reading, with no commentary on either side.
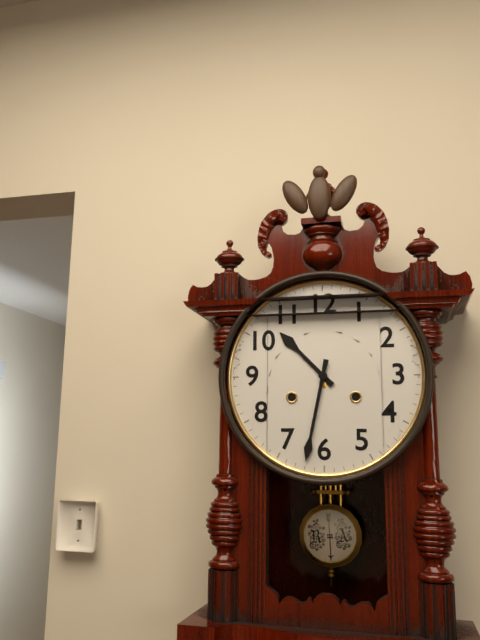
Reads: 10:32
